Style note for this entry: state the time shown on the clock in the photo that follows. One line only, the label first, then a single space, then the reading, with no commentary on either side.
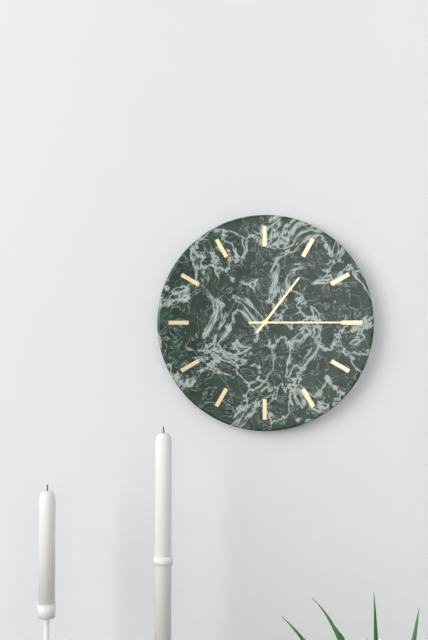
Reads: 1:15
